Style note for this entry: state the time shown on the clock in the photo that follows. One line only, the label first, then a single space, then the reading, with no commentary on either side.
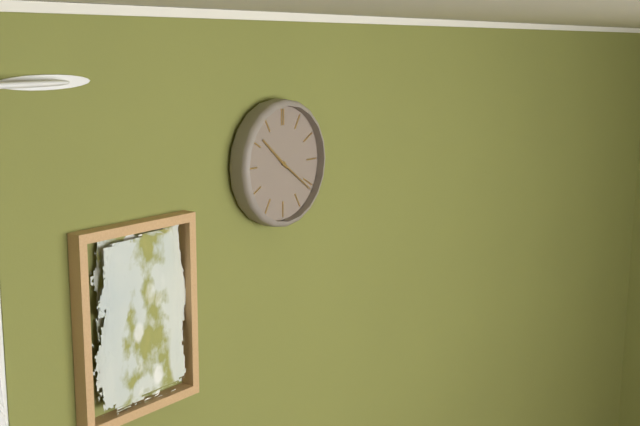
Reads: 10:21
